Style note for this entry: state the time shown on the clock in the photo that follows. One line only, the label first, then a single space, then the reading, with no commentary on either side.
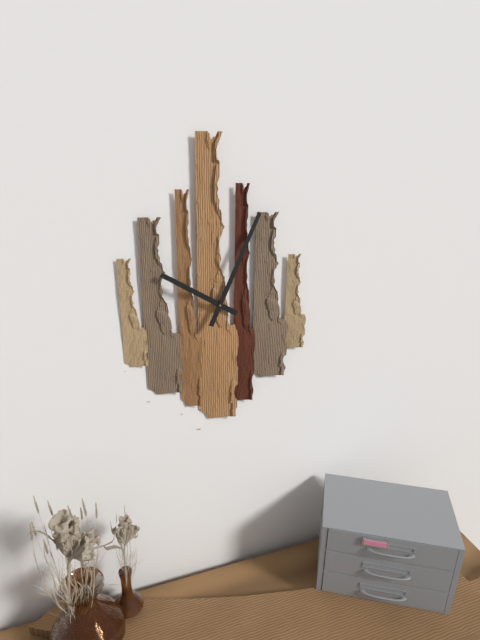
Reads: 10:04
